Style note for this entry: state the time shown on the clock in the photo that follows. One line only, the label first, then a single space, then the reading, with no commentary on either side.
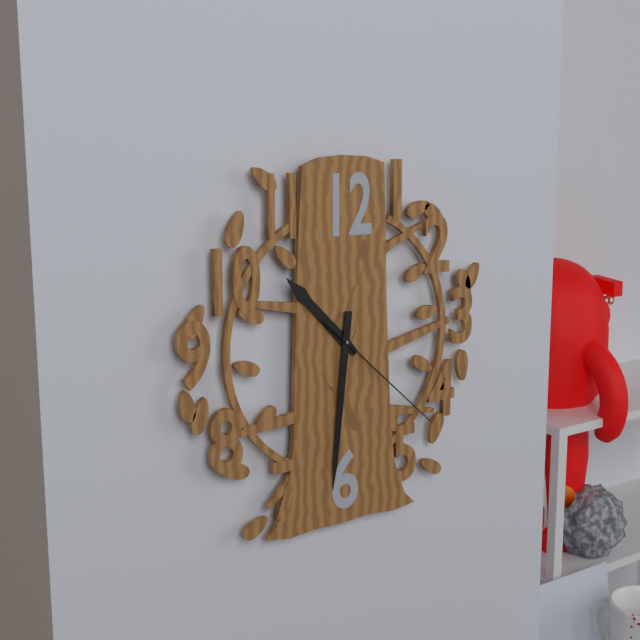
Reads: 10:31:22
